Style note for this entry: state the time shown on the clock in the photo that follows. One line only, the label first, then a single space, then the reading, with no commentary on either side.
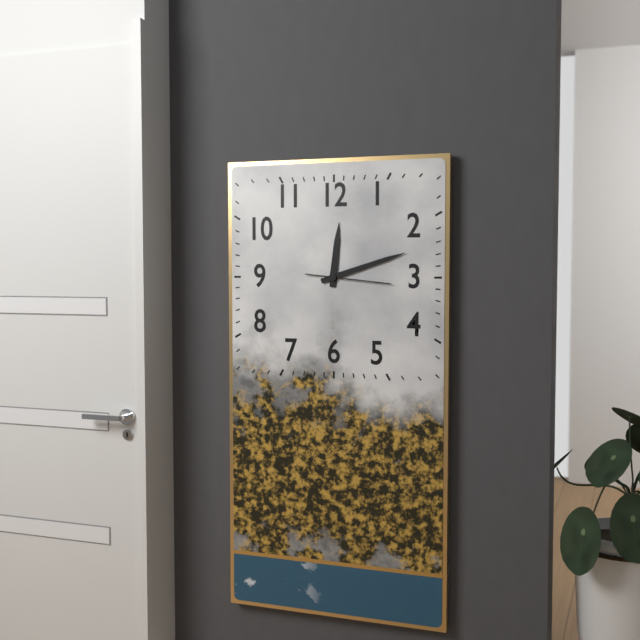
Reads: 12:12:16
